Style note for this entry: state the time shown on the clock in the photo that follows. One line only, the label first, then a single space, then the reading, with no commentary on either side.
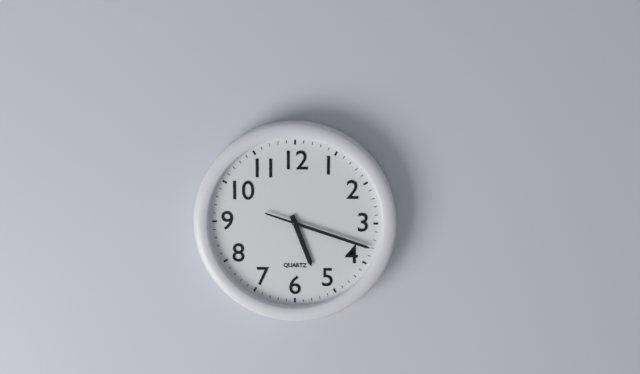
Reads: 5:18
